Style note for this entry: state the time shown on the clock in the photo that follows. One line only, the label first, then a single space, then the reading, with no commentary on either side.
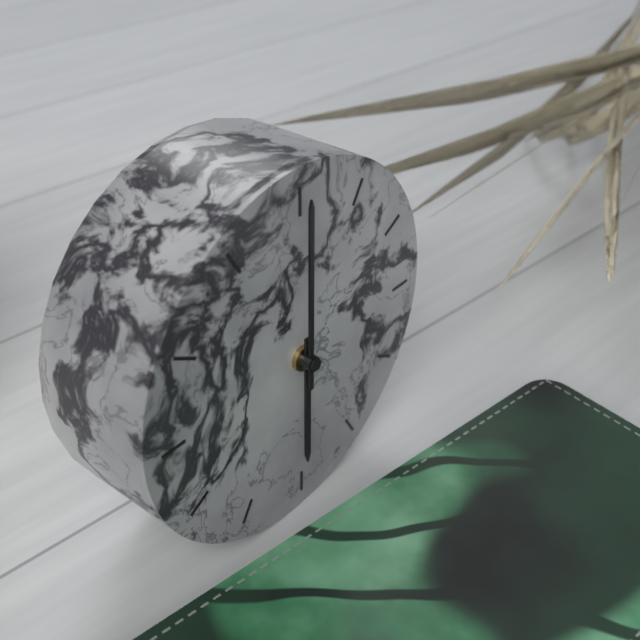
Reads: 6:00
